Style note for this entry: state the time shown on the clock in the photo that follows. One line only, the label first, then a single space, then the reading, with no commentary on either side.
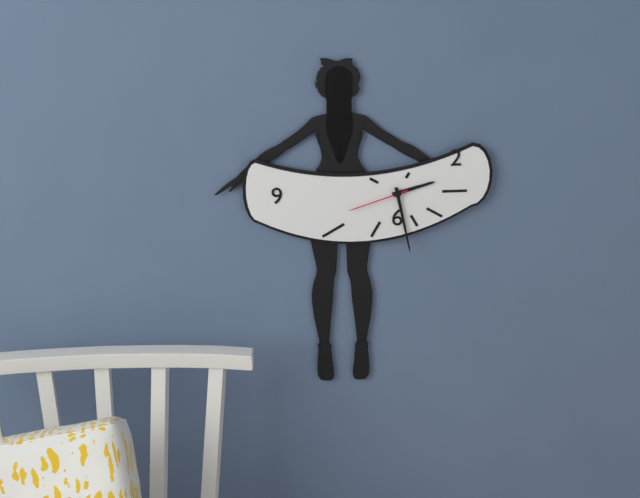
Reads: 2:28:42
